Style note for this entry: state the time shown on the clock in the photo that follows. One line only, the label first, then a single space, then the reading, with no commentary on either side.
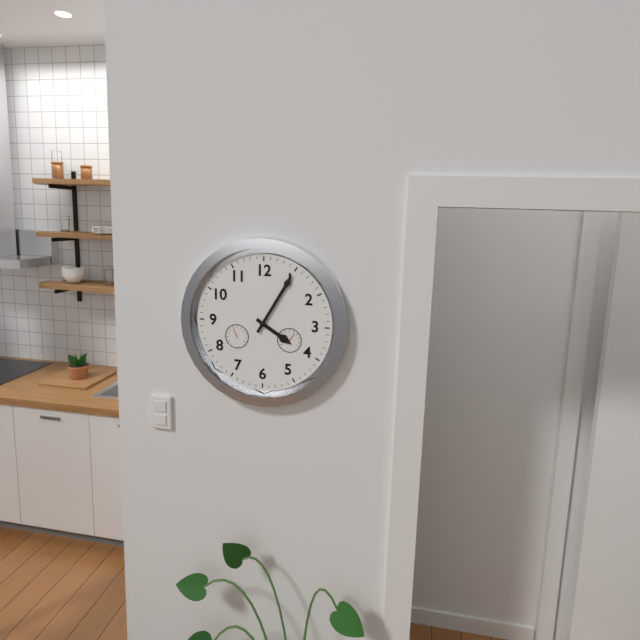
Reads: 4:05
